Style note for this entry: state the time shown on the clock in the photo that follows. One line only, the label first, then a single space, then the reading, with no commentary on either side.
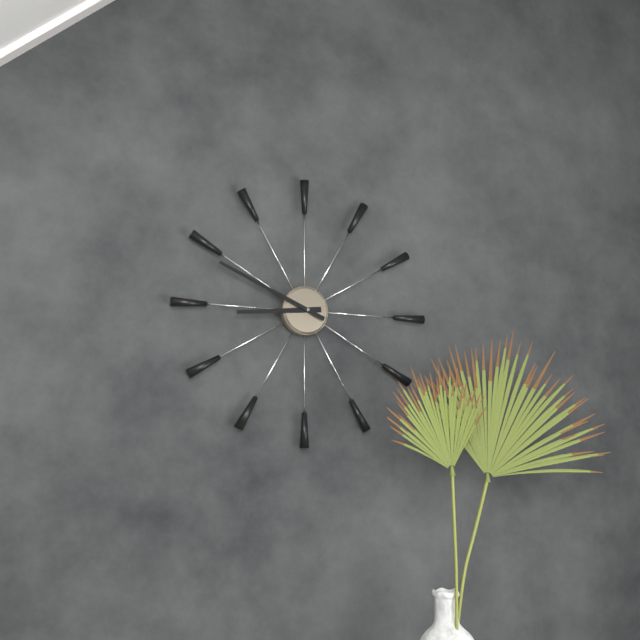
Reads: 8:49
